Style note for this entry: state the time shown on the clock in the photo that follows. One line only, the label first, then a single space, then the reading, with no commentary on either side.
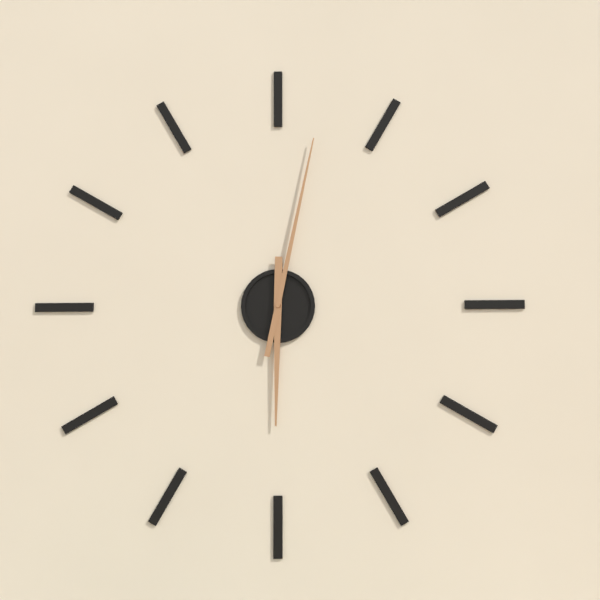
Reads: 6:02
